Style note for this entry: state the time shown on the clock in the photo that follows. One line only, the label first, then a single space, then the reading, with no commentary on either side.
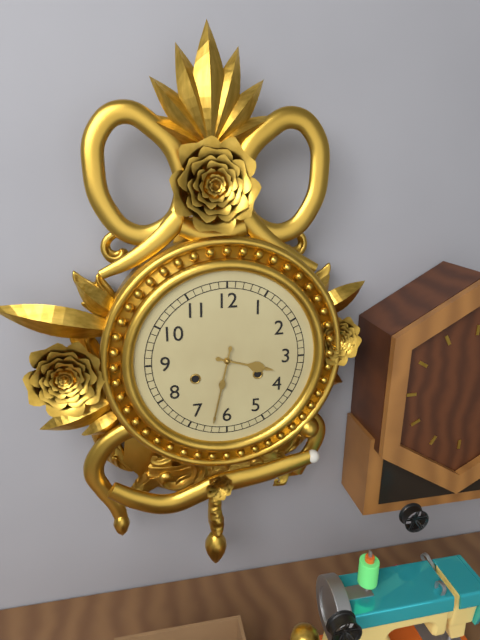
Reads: 3:32
